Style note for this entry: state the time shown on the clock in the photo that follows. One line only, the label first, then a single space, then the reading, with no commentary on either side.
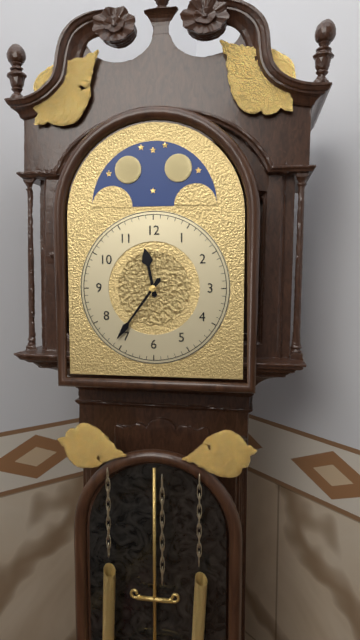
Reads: 11:36
